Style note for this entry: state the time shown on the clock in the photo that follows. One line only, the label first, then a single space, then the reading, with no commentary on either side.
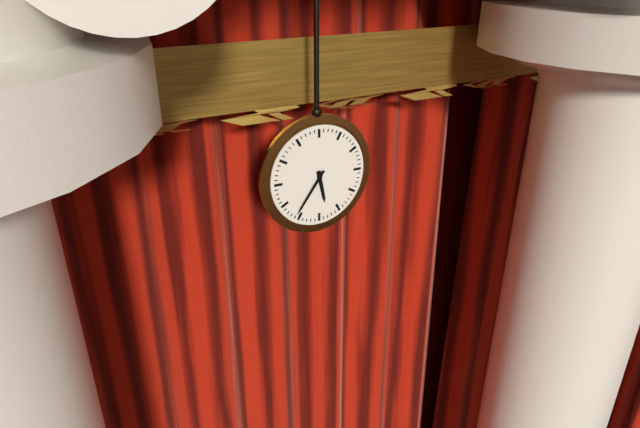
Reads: 5:36
